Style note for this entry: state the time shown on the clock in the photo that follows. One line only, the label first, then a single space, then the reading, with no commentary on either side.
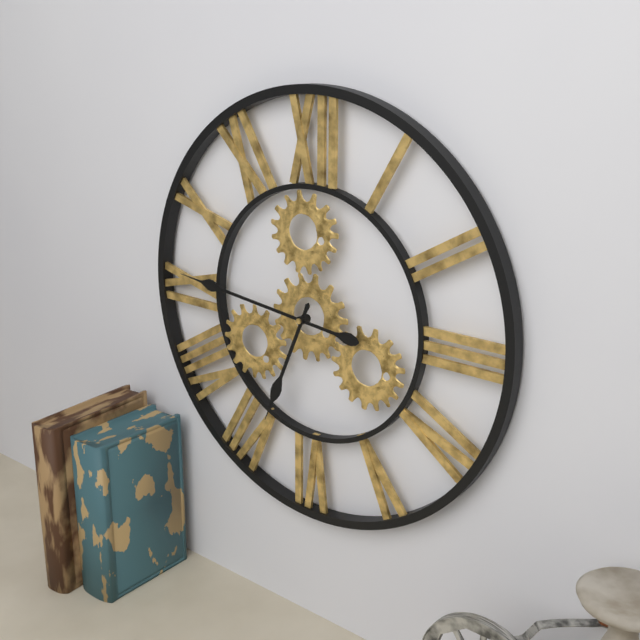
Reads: 6:46
